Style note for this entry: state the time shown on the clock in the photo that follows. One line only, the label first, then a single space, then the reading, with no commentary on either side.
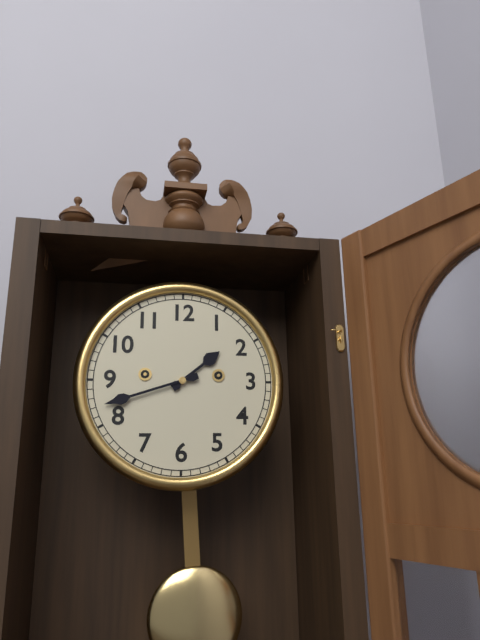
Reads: 1:42
